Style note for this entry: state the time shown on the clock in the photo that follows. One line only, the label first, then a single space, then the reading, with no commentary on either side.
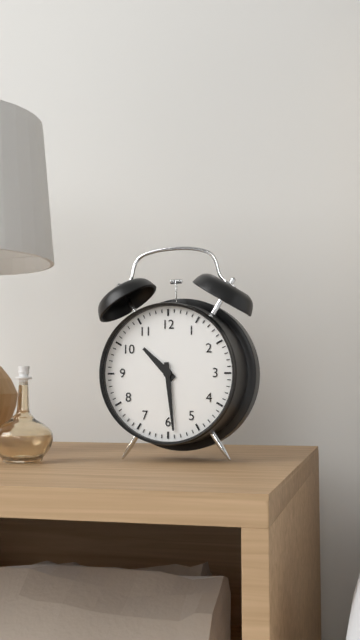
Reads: 10:29
